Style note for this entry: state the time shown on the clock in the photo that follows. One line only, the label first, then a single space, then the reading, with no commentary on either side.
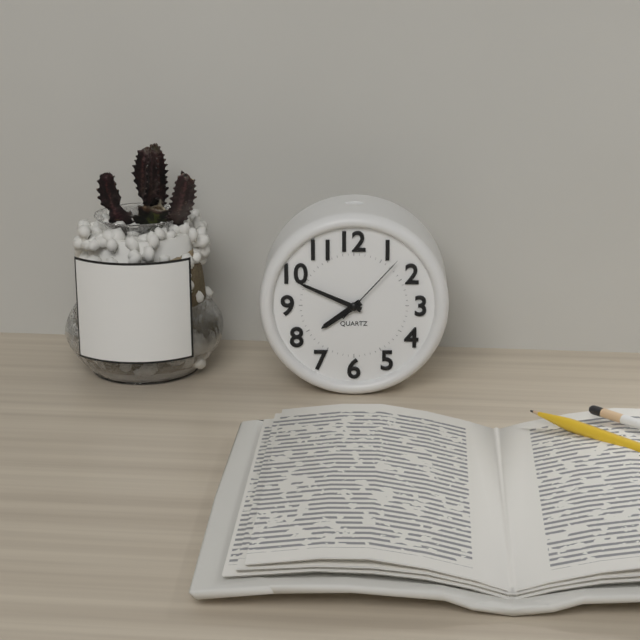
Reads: 7:49:07
